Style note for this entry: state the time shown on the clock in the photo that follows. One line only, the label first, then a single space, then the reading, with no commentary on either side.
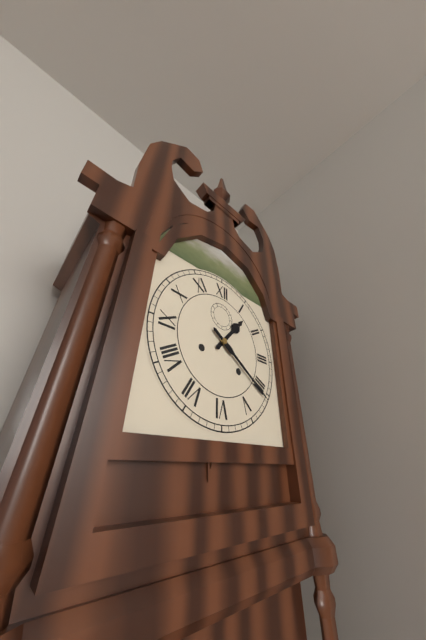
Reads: 1:21
